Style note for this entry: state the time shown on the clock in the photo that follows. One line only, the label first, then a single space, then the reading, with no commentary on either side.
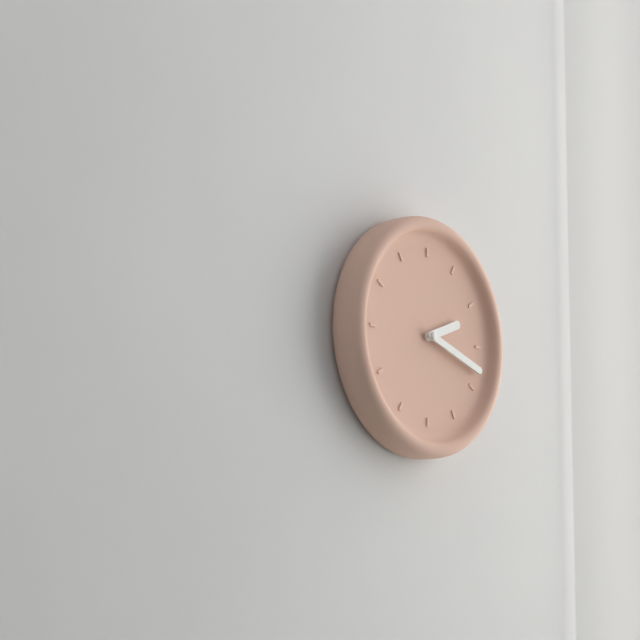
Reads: 2:18
